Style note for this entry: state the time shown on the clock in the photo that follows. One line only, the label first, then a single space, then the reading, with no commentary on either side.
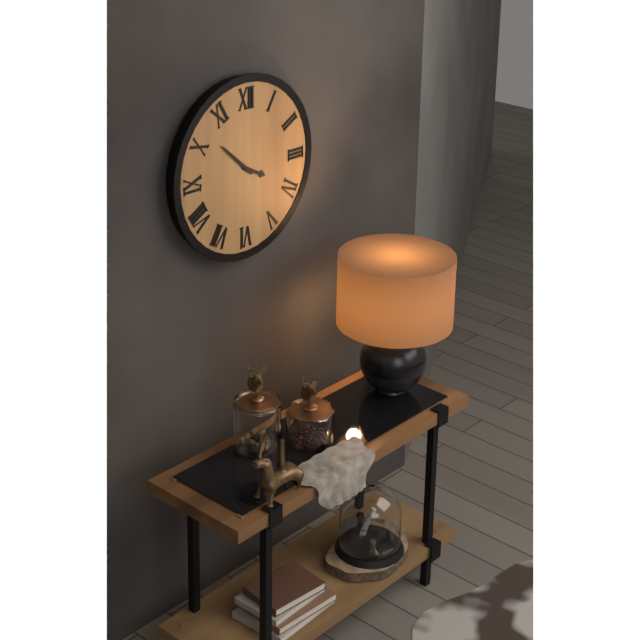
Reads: 3:52
